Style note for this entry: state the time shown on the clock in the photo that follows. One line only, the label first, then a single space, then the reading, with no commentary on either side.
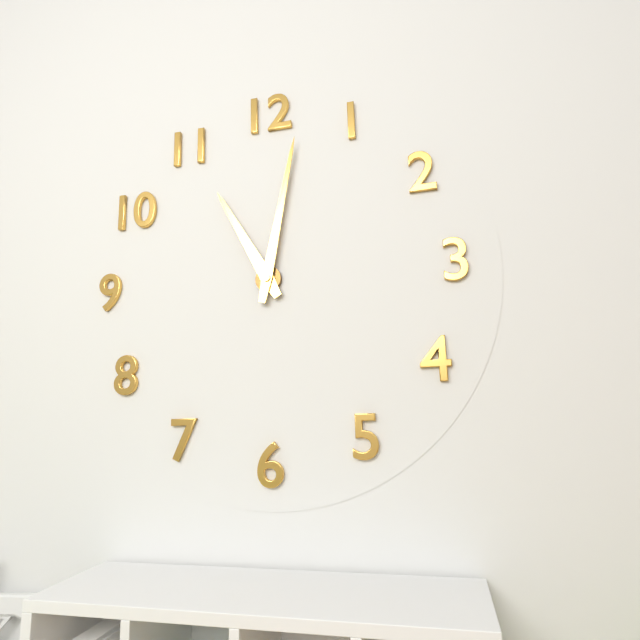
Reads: 11:02
